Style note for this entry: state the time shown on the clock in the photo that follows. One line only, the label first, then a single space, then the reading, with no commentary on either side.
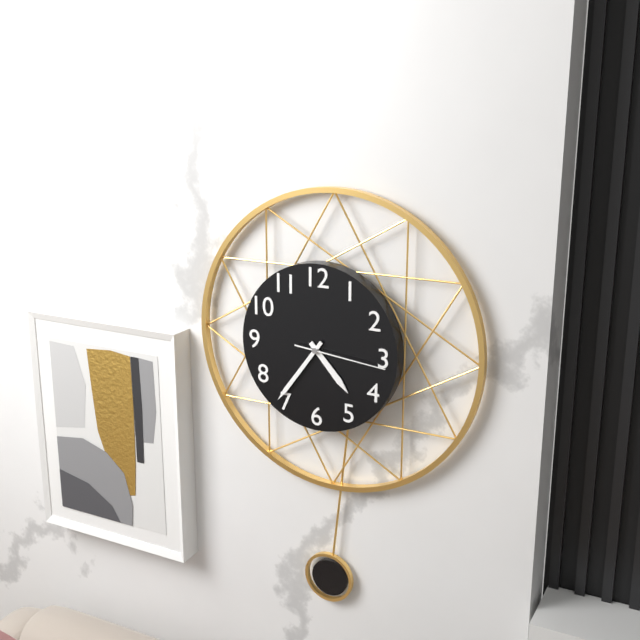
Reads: 4:36:16
